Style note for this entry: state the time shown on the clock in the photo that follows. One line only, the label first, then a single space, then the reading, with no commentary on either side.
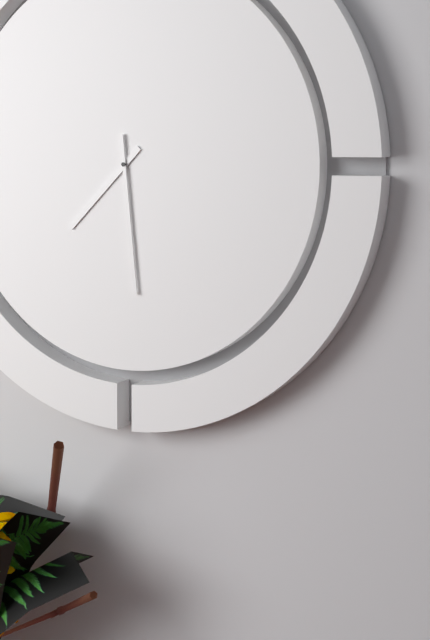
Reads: 7:29
